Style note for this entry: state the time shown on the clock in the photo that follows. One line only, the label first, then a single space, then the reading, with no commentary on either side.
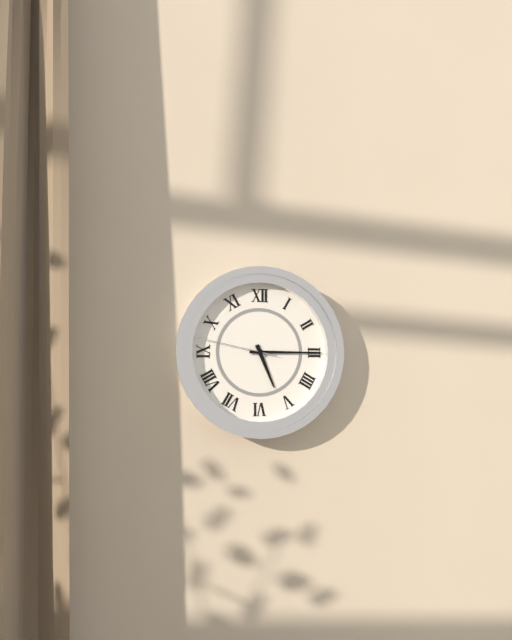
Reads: 5:15:47
